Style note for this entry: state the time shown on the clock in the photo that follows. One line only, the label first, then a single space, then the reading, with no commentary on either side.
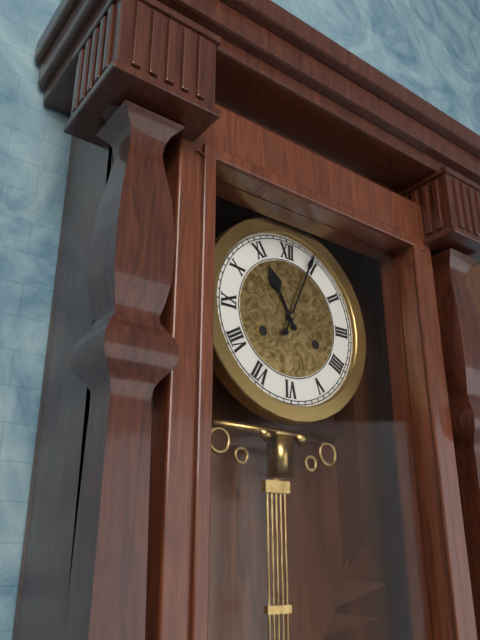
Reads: 11:04
